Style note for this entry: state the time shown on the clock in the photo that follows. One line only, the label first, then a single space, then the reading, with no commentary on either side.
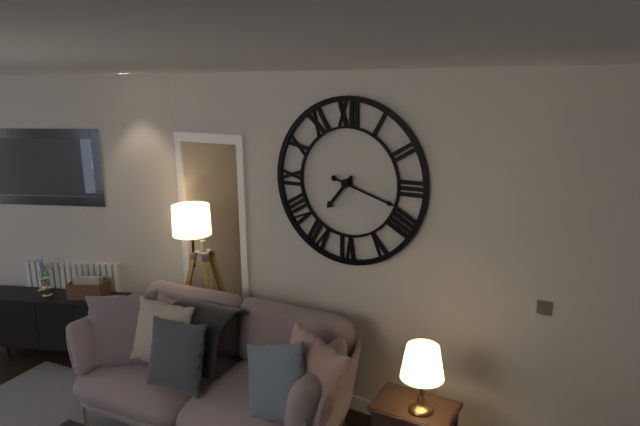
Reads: 7:18
